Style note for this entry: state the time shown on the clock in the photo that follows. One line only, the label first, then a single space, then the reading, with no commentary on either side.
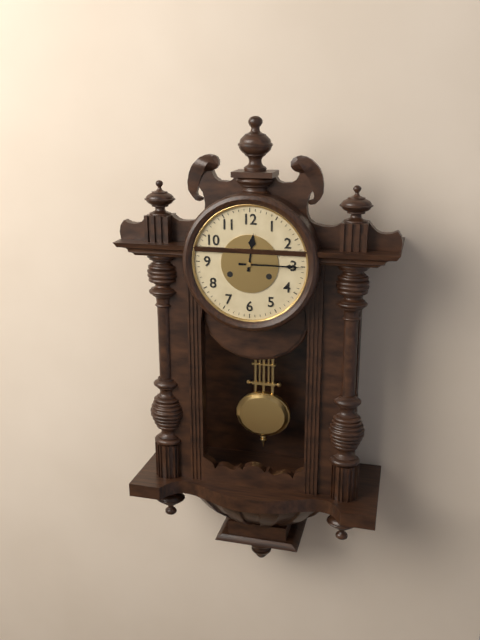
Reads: 12:15
